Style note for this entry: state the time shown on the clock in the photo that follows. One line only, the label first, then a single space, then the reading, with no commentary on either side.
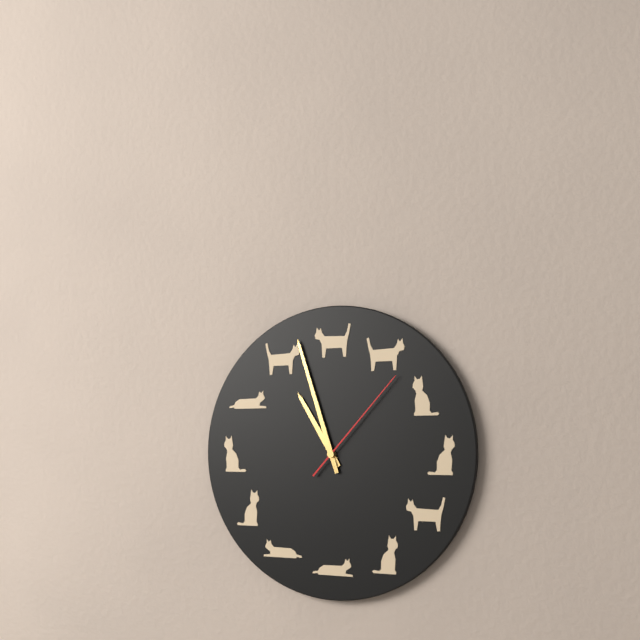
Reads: 10:57:07
